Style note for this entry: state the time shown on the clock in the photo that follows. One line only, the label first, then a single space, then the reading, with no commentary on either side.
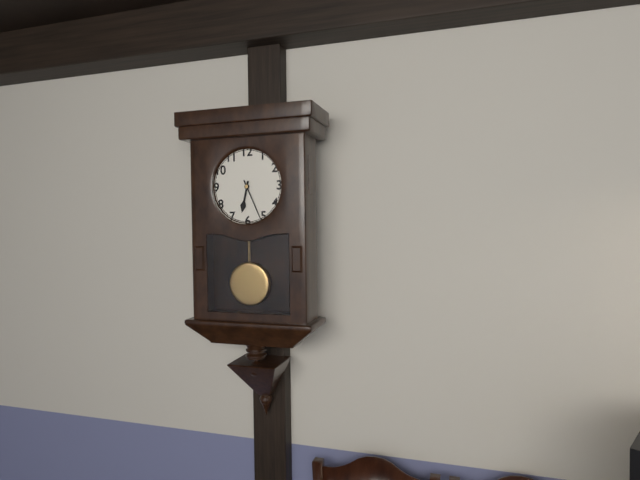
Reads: 6:26
